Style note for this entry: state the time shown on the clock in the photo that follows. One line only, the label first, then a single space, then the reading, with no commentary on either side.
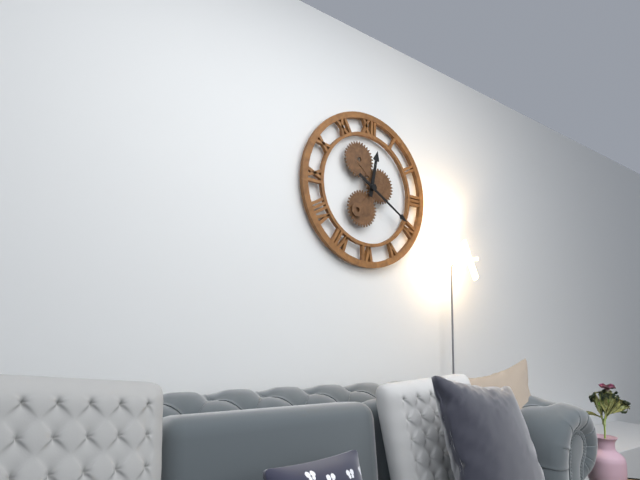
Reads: 12:20
